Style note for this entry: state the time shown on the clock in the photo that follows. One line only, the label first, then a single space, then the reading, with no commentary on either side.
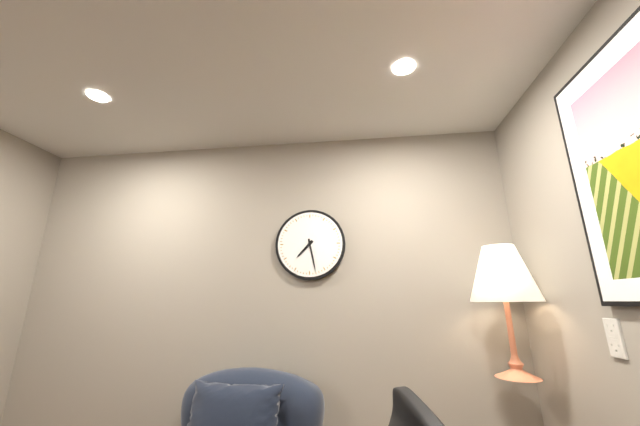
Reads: 7:28
